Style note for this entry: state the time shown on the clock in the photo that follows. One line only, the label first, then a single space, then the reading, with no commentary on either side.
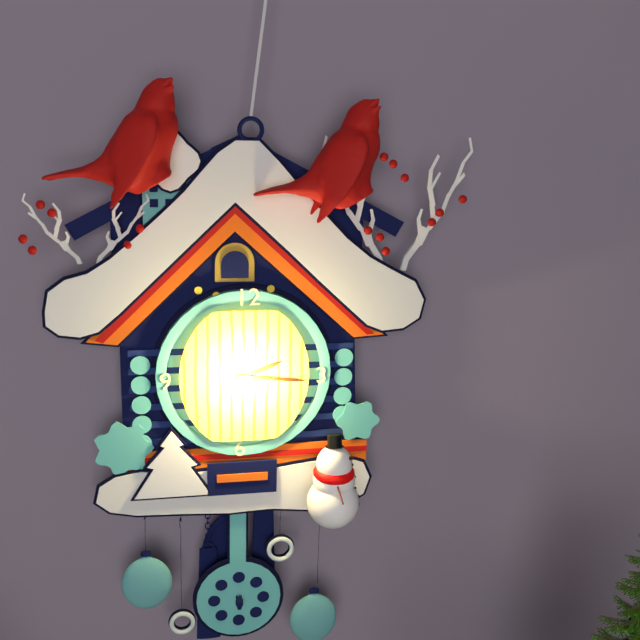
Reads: 2:16
